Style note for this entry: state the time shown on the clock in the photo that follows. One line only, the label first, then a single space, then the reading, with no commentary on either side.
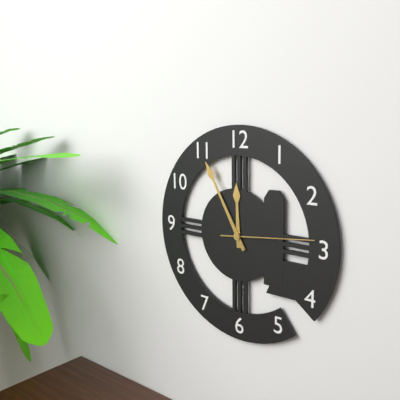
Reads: 11:55:14
